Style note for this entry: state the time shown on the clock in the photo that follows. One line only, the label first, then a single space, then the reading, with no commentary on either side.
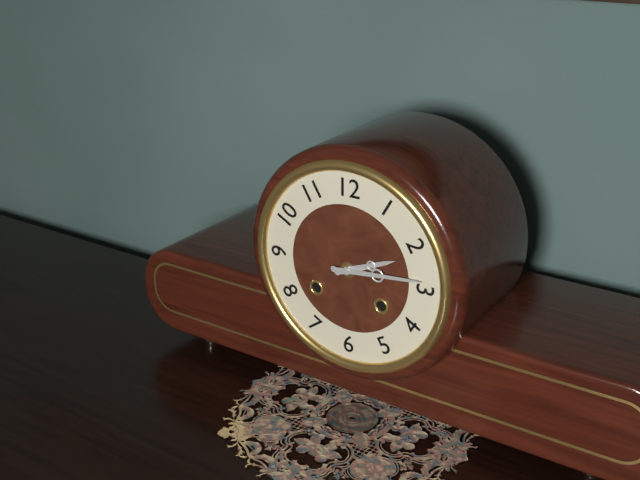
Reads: 2:14
